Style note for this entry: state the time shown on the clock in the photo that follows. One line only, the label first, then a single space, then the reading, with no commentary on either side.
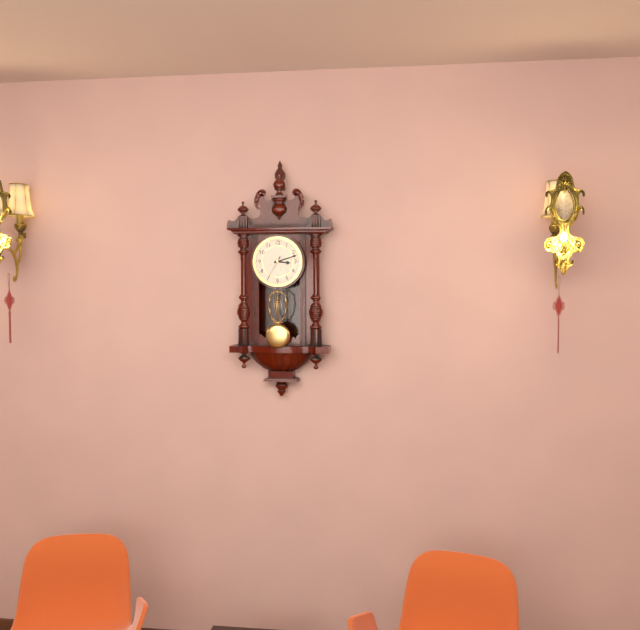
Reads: 3:12
